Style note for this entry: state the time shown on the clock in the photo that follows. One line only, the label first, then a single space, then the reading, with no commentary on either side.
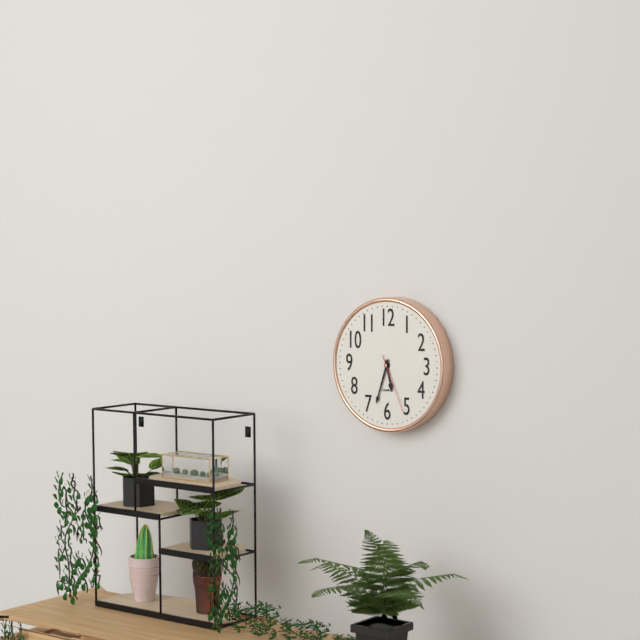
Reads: 5:33:26
